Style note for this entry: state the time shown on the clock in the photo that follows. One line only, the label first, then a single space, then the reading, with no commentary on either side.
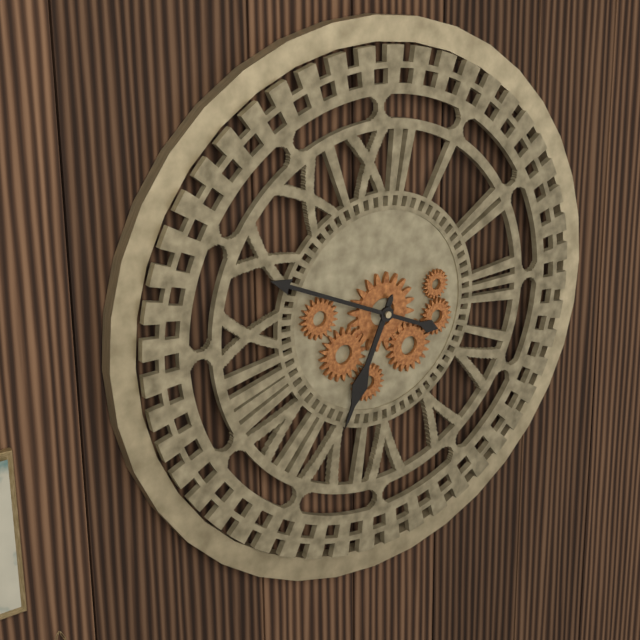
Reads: 6:49
